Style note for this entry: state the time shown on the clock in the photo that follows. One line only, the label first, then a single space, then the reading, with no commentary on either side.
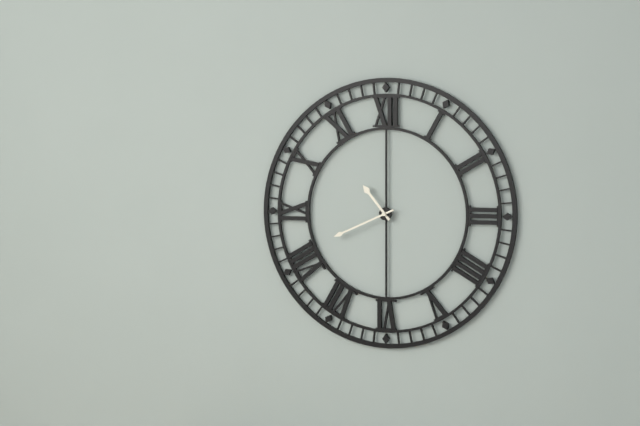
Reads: 10:41
